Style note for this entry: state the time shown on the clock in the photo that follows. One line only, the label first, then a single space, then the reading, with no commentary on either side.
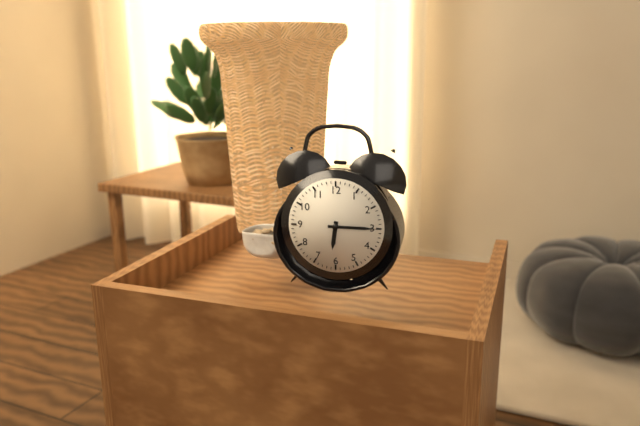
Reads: 6:15
